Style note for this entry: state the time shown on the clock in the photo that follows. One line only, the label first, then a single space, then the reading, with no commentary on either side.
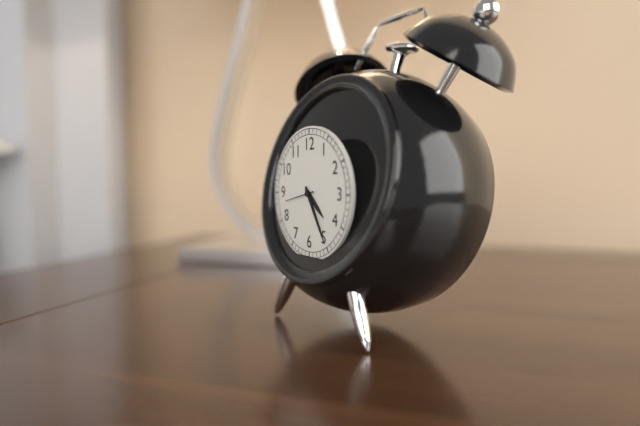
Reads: 4:25
